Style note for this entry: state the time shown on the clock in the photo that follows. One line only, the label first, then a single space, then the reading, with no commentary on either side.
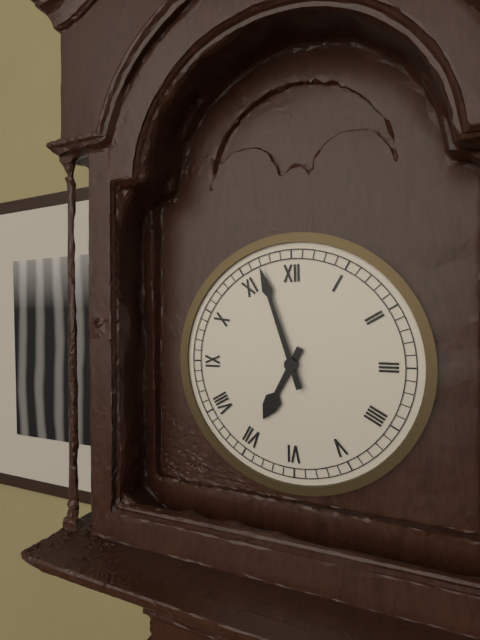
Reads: 6:57
